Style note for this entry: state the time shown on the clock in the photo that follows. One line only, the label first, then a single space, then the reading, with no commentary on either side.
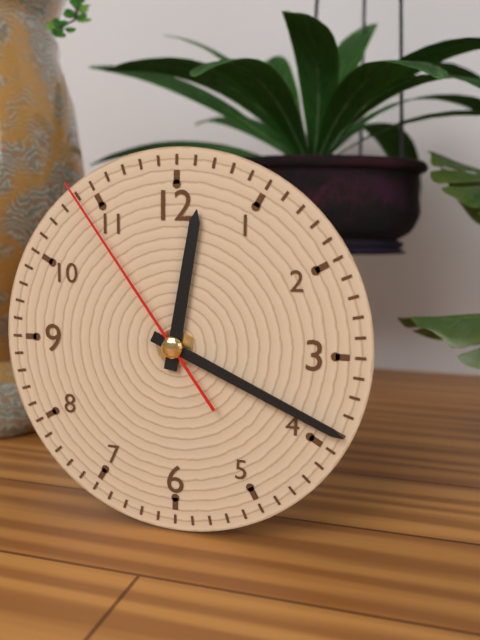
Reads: 12:19:54
